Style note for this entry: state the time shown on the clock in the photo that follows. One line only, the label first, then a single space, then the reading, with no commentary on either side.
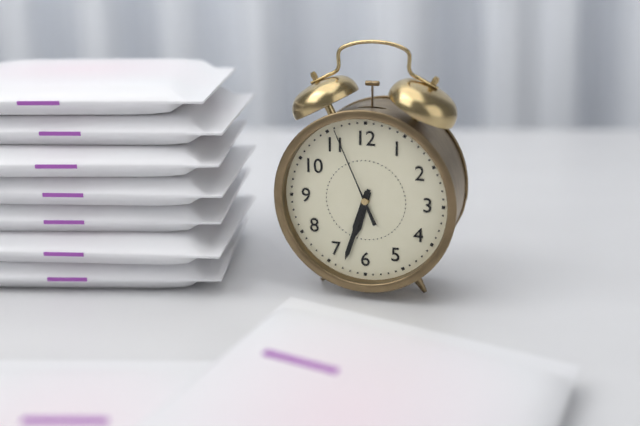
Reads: 6:33:56
